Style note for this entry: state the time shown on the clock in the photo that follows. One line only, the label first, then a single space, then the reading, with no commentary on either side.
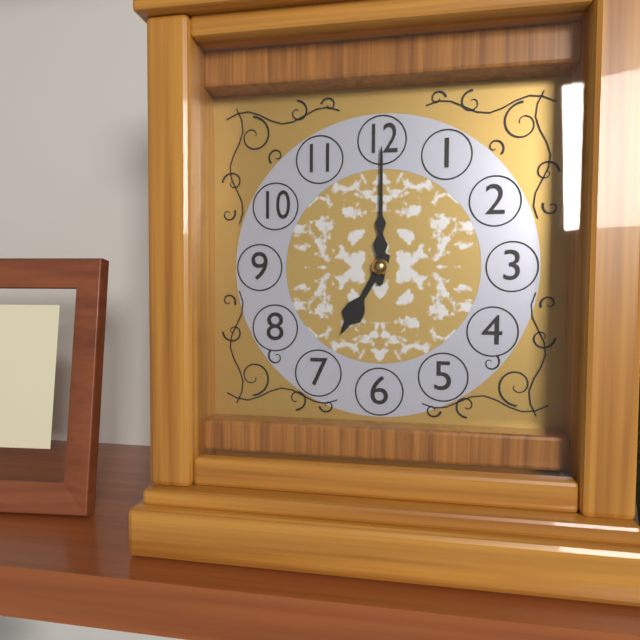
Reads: 7:00
